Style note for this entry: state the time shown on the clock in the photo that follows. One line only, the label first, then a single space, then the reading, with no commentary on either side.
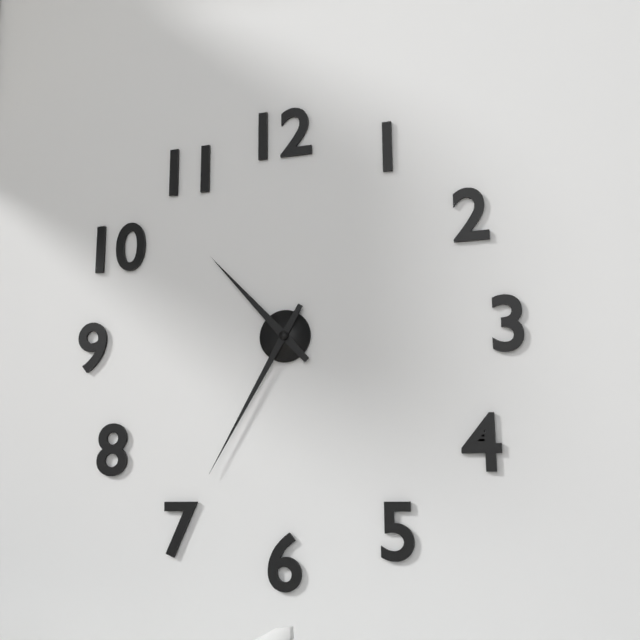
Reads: 10:35
